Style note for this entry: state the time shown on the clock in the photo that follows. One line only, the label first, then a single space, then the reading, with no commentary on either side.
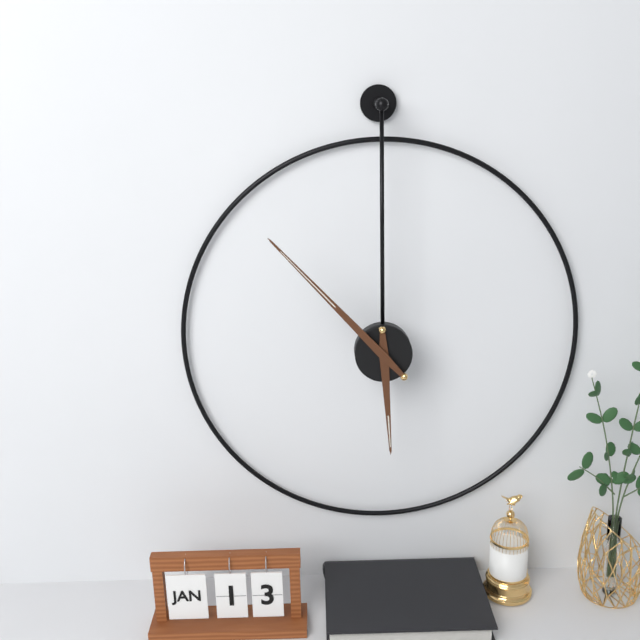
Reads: 5:53
